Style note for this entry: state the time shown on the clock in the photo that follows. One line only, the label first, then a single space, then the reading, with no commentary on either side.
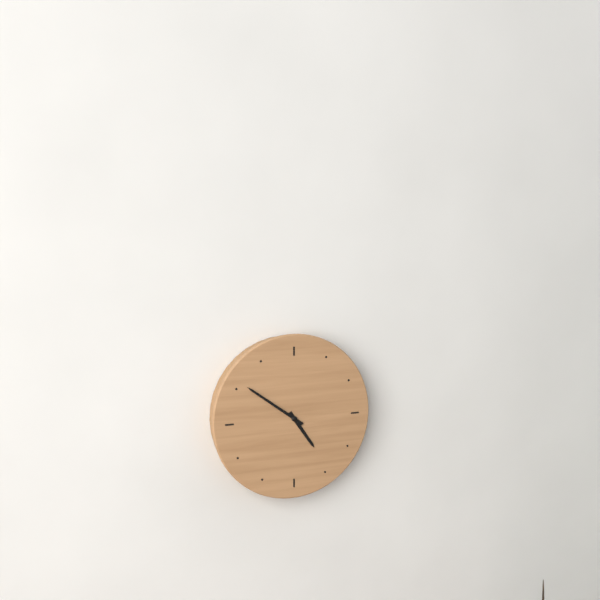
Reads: 4:51
